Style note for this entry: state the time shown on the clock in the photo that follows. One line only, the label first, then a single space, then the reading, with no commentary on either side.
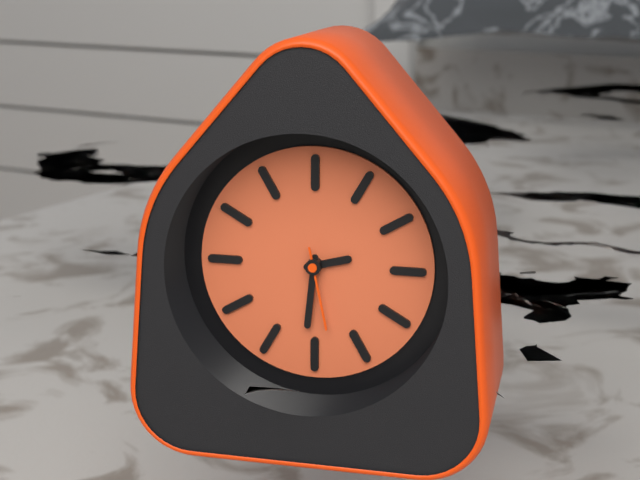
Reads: 2:31:28
